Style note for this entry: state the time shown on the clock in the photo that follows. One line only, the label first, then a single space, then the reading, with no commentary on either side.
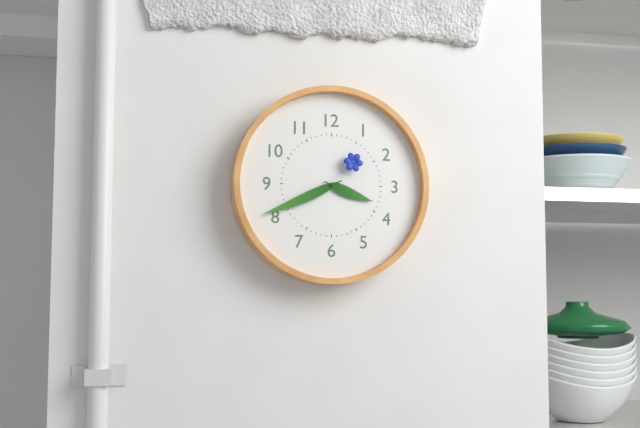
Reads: 3:41:07
